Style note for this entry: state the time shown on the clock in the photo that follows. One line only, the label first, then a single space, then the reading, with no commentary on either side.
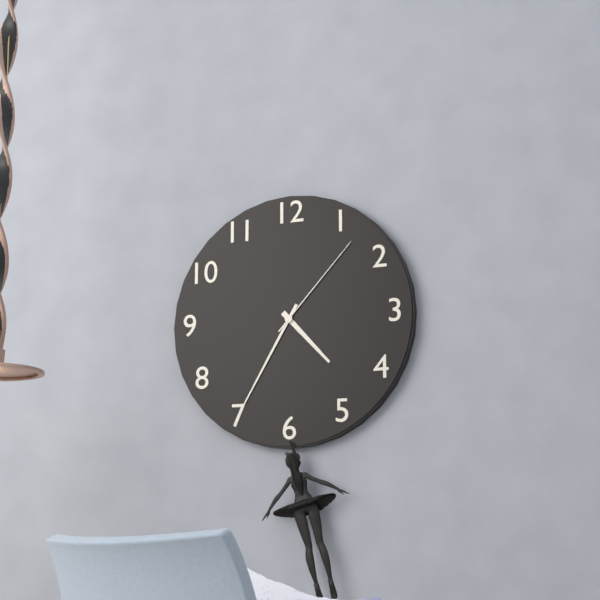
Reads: 4:35:07
